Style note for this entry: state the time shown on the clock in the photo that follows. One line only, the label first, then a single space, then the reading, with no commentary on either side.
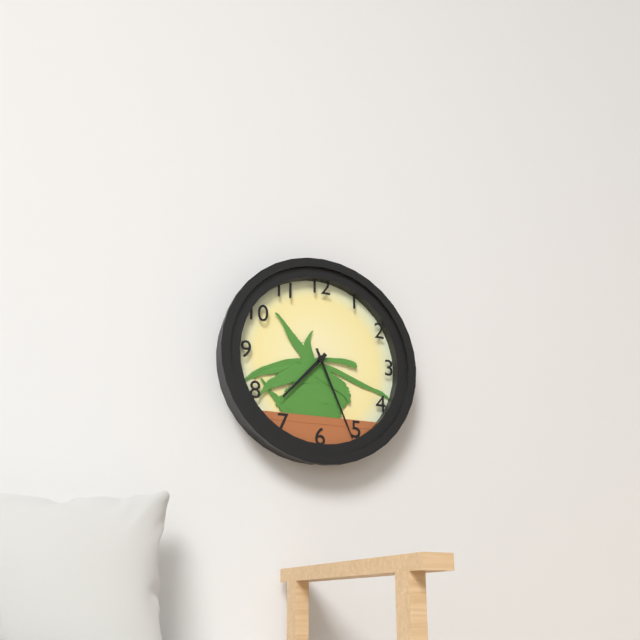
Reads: 7:26
